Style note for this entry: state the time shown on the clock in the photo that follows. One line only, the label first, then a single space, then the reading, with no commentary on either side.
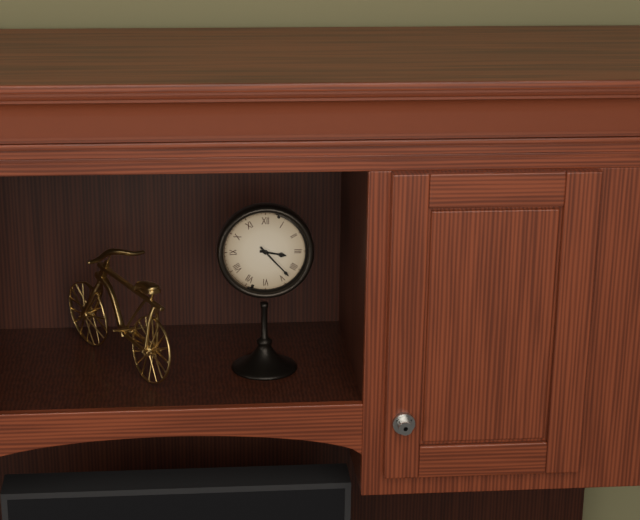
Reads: 3:23
